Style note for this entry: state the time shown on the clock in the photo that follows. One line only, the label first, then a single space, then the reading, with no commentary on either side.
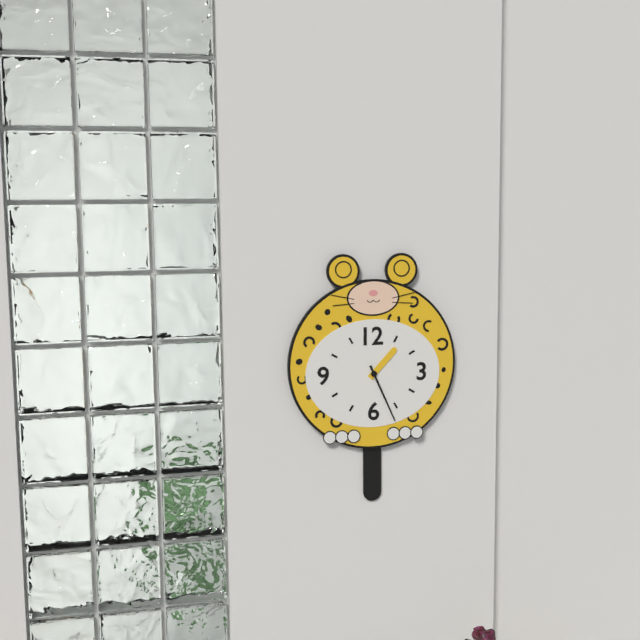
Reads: 1:26
